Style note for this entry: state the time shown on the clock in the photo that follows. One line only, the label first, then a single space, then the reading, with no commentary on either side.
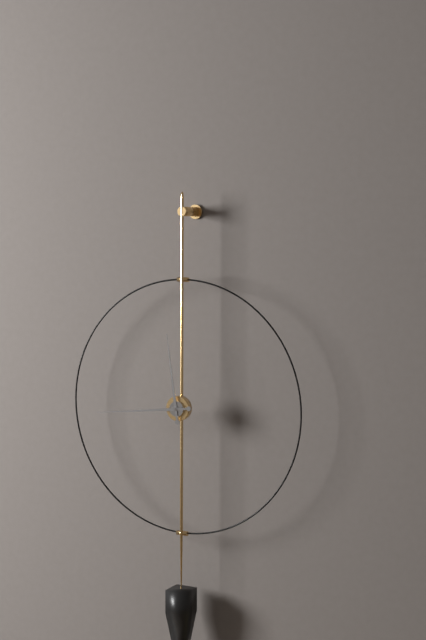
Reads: 11:44
